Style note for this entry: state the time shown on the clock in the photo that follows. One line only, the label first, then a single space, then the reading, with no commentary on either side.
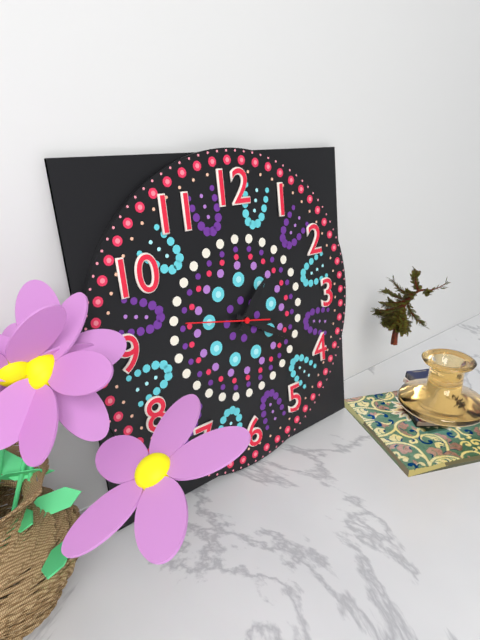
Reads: 1:20:47
